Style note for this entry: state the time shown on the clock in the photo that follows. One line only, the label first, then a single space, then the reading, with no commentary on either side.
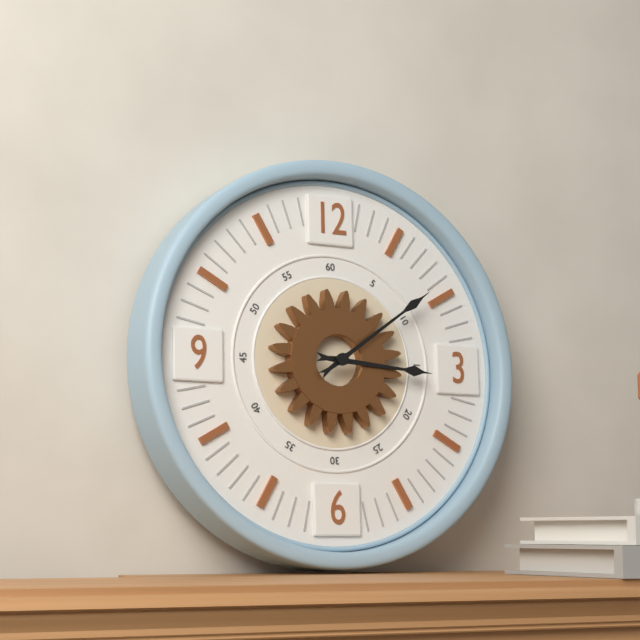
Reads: 3:09
